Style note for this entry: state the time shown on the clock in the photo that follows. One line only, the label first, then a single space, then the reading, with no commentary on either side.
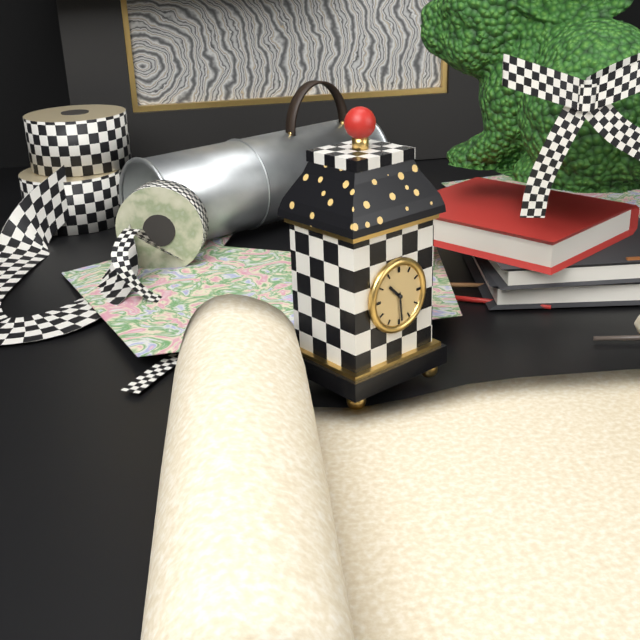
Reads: 10:29
